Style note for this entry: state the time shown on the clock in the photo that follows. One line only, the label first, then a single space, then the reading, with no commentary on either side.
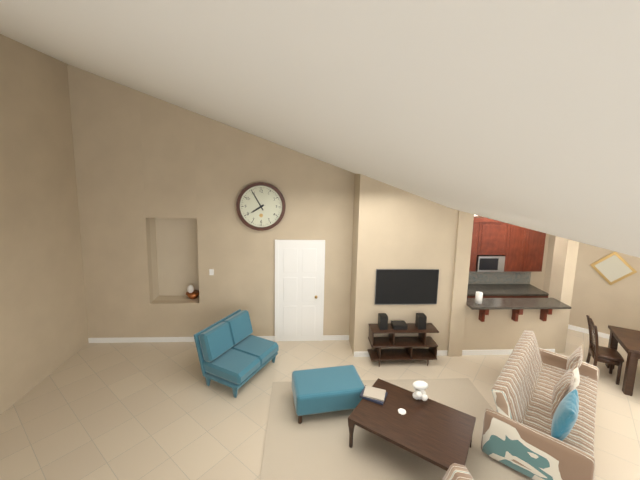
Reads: 7:55
